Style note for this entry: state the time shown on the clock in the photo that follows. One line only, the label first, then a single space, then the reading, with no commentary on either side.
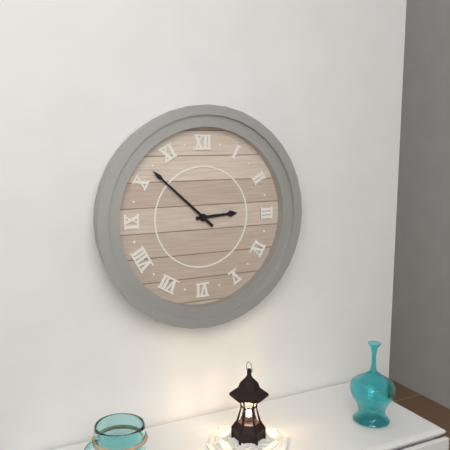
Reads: 2:52
